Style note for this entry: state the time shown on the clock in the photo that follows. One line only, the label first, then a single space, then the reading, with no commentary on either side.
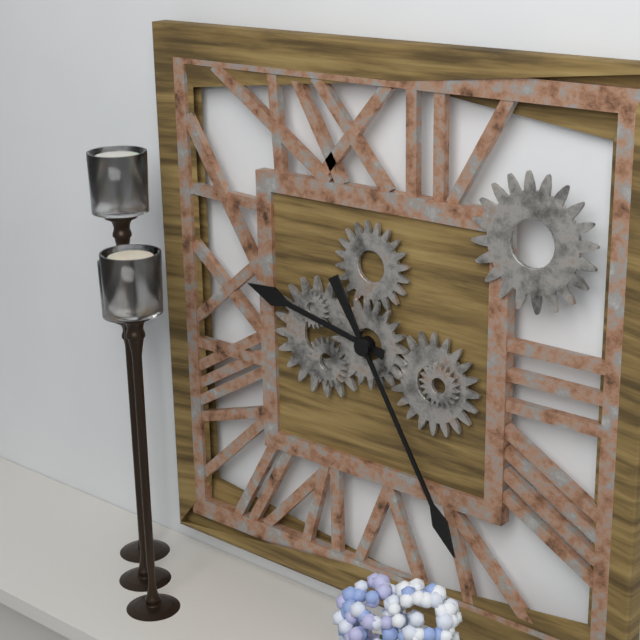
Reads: 9:25
